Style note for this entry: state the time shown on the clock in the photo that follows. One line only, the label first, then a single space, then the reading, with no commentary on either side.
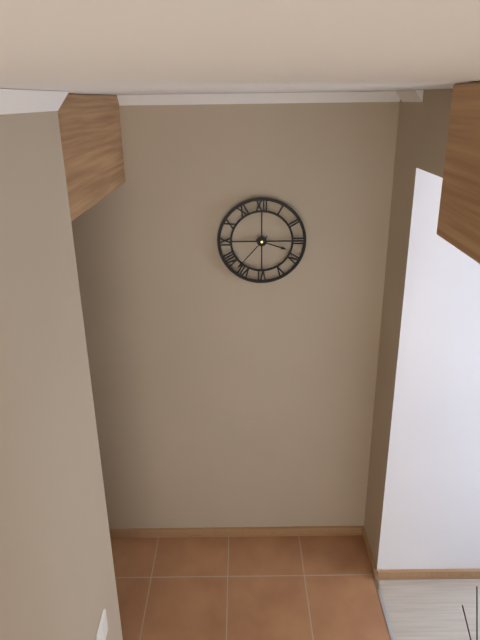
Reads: 3:37
